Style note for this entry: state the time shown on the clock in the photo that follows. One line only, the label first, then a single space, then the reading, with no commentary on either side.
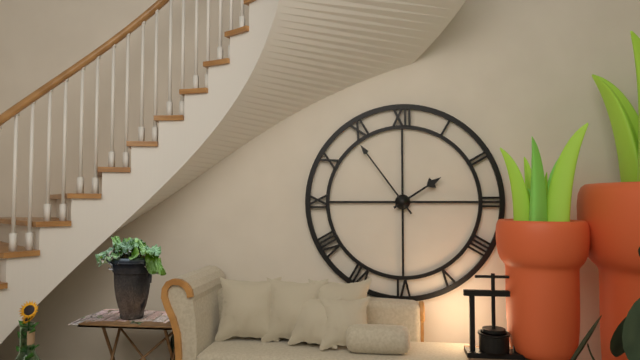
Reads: 1:54
